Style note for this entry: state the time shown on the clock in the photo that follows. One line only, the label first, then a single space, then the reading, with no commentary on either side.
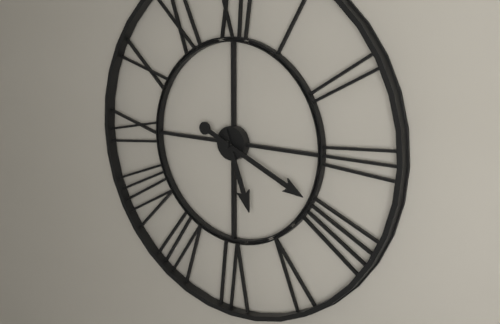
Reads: 5:19
